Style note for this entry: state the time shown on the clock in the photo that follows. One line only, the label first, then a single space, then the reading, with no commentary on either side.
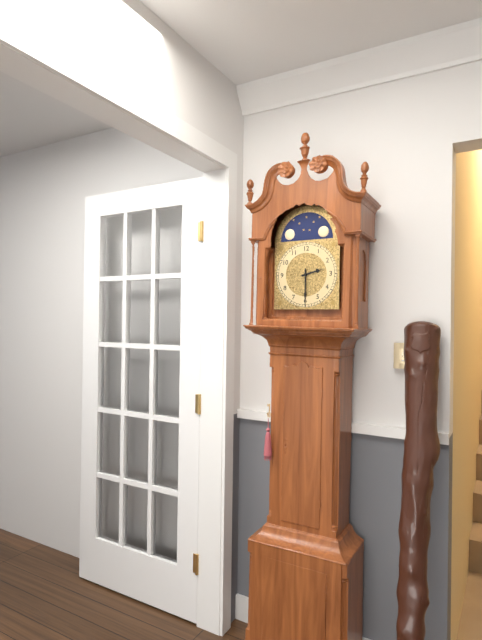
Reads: 2:30
